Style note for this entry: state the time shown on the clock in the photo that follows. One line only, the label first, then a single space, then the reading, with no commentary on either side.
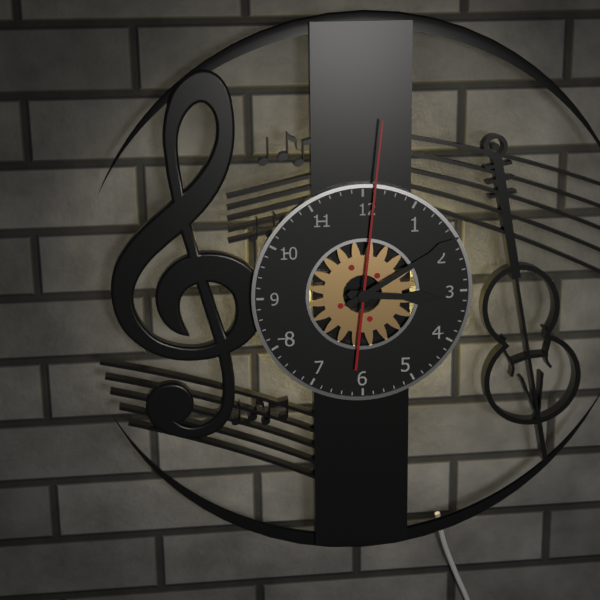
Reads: 3:10:01
